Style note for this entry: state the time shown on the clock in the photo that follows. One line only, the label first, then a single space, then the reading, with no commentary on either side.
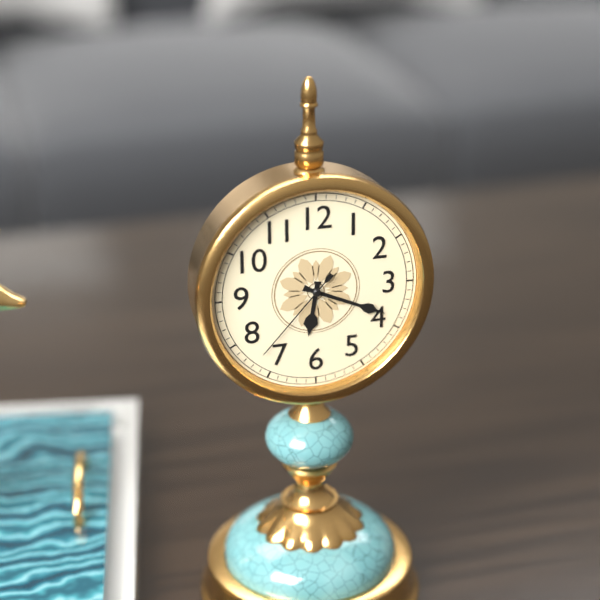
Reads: 6:19:37
